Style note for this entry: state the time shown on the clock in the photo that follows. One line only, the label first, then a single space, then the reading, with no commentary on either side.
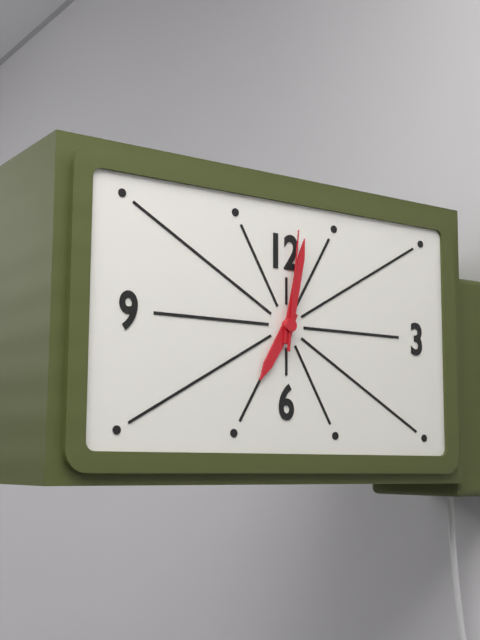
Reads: 7:02:01
